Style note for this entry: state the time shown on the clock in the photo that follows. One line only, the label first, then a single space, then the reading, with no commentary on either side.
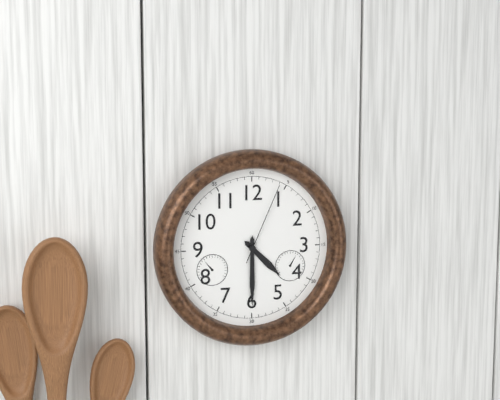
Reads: 4:30:04
